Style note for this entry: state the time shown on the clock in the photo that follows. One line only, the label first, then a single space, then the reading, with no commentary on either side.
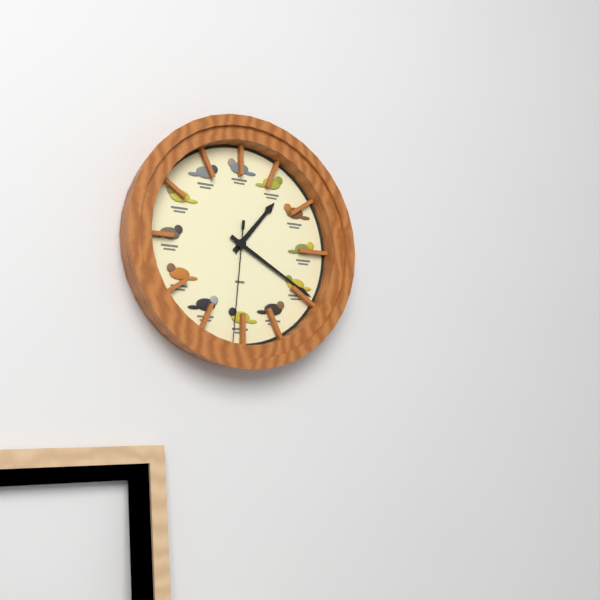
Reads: 1:20:31
